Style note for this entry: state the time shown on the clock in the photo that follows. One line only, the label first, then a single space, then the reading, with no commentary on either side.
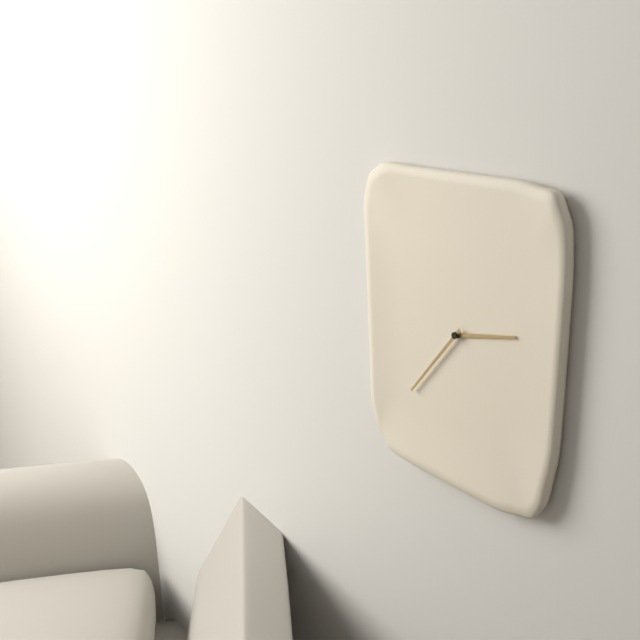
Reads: 2:37
